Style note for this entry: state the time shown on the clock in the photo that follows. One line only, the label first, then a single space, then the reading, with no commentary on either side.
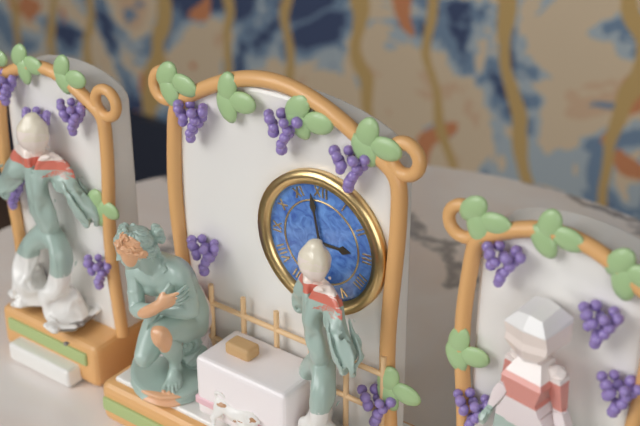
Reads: 2:58
